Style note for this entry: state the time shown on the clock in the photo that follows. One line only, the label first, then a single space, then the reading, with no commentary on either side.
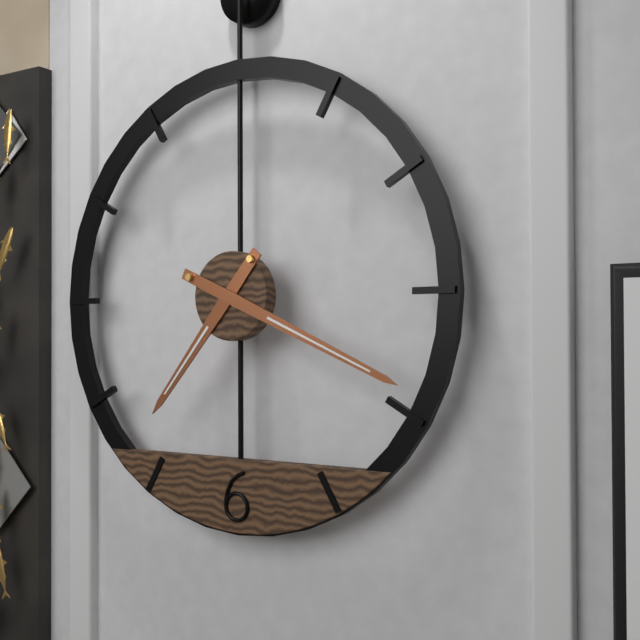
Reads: 7:19
